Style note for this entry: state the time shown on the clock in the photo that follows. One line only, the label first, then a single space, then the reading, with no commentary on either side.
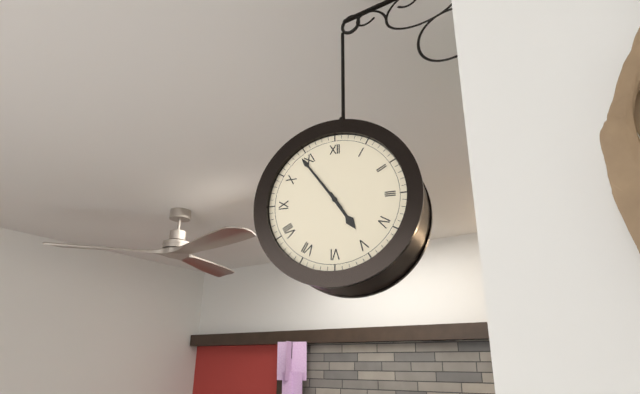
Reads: 4:54
